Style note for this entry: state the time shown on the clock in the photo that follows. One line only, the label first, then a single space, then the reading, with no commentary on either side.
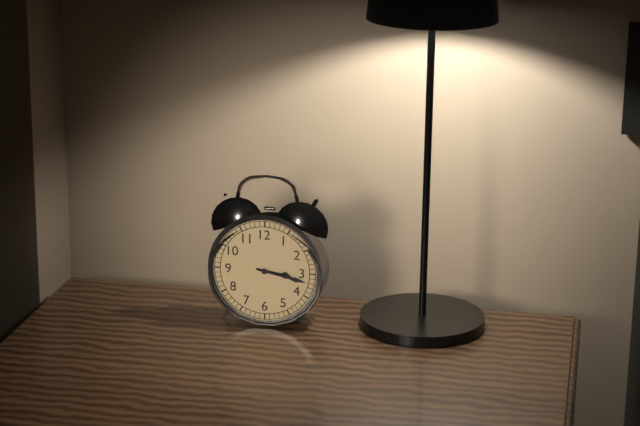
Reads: 3:17
